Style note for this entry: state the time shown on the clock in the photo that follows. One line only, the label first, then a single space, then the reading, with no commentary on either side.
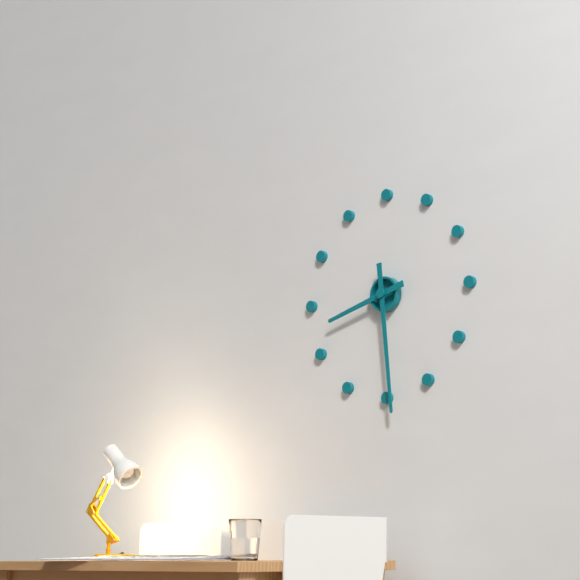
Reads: 8:29
